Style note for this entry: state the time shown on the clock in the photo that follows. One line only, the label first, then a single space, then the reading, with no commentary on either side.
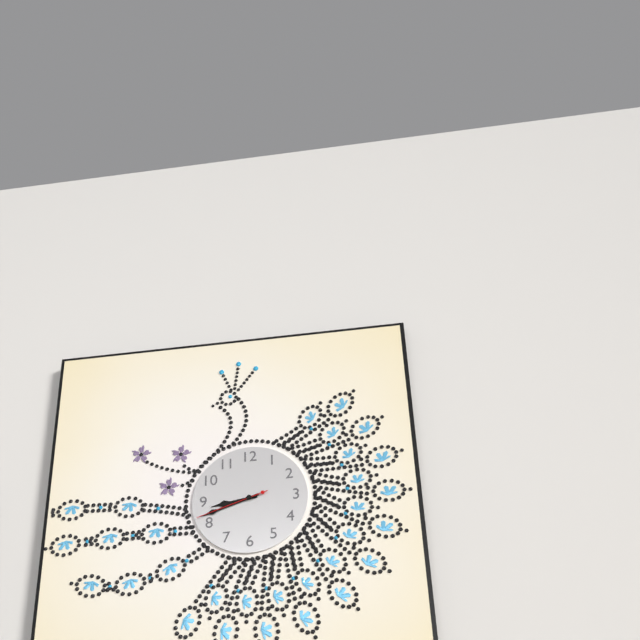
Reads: 8:42:42
